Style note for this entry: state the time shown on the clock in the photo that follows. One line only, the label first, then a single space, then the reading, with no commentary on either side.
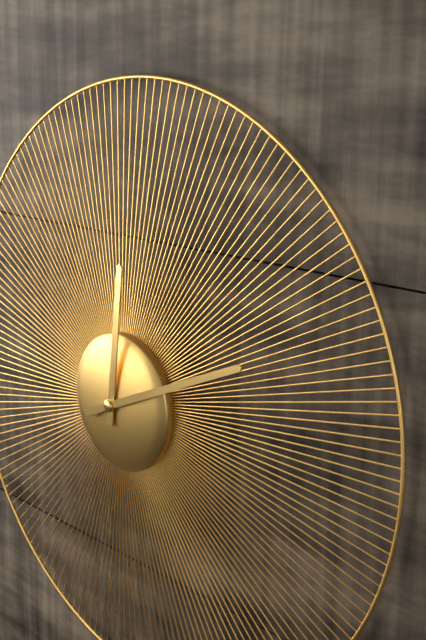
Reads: 12:11
